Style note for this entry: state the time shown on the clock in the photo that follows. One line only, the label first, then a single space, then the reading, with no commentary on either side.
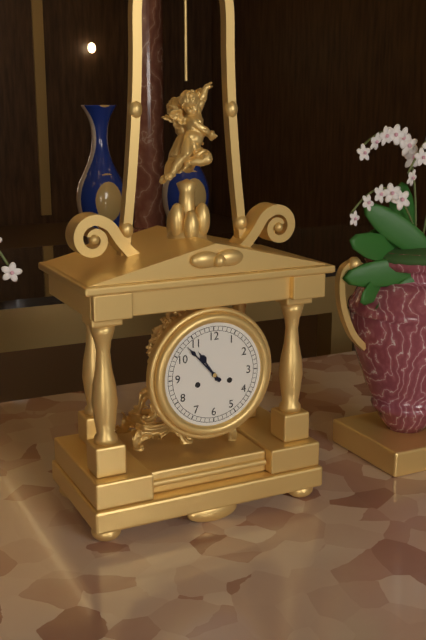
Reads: 10:53
